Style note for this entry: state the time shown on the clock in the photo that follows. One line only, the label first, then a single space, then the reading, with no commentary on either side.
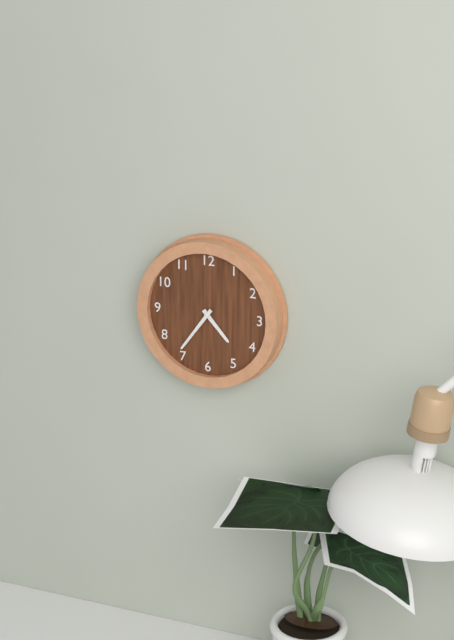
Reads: 4:36
